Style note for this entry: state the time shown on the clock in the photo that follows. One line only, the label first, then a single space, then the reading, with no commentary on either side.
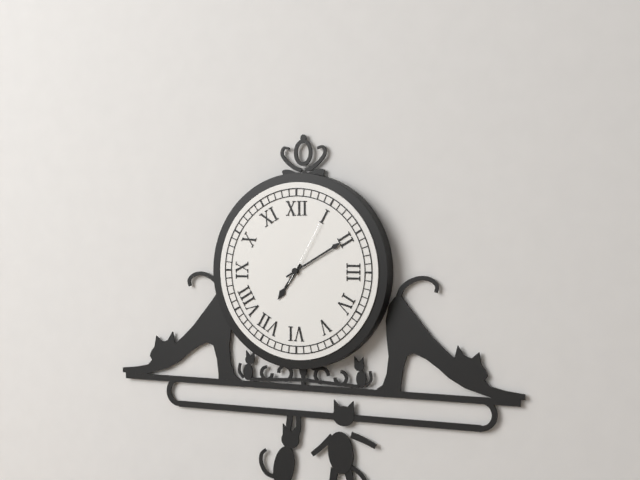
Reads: 7:10:05
